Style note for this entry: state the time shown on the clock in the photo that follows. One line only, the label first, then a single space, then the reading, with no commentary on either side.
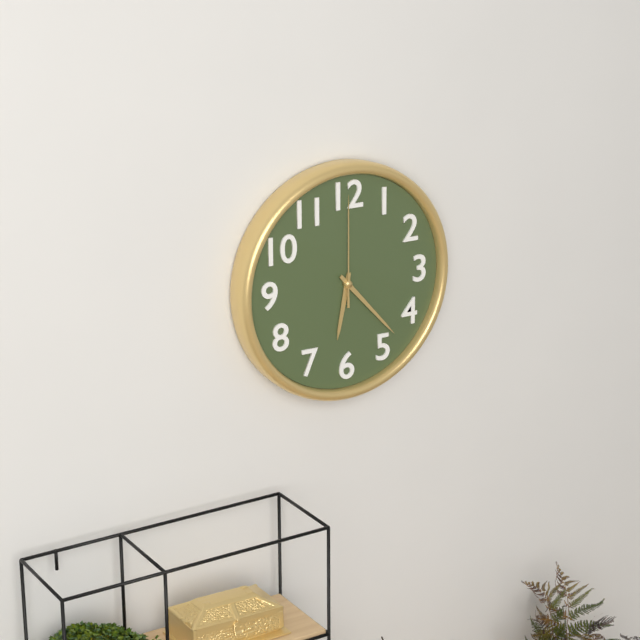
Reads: 6:23:00
